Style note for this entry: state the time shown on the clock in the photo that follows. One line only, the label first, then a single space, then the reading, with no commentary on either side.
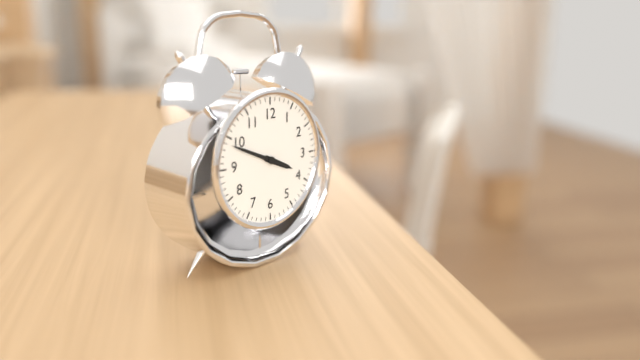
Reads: 3:49
